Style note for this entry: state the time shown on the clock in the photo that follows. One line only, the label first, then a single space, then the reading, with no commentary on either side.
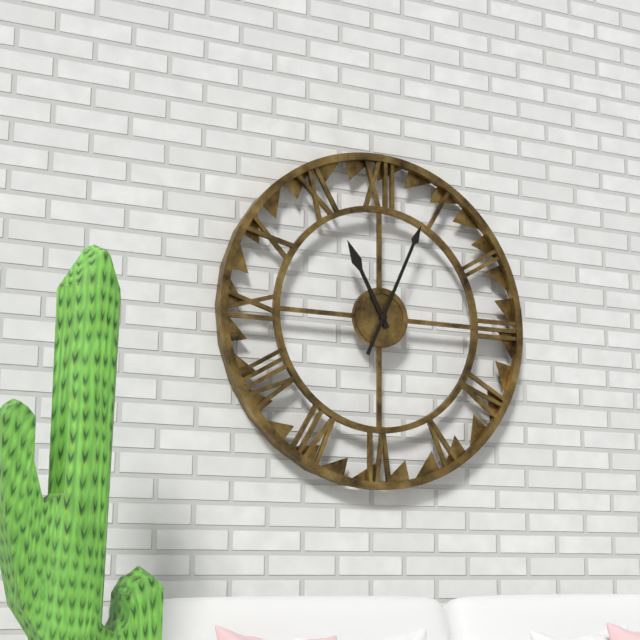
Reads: 11:04
